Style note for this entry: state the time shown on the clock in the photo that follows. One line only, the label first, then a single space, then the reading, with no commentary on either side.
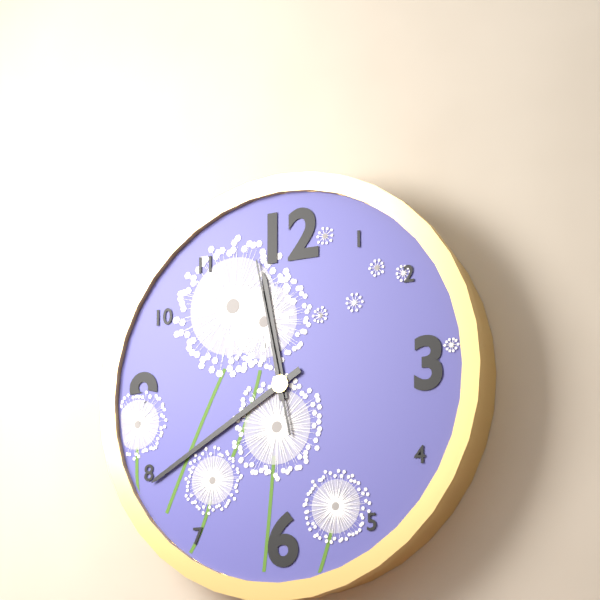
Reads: 11:40:58
